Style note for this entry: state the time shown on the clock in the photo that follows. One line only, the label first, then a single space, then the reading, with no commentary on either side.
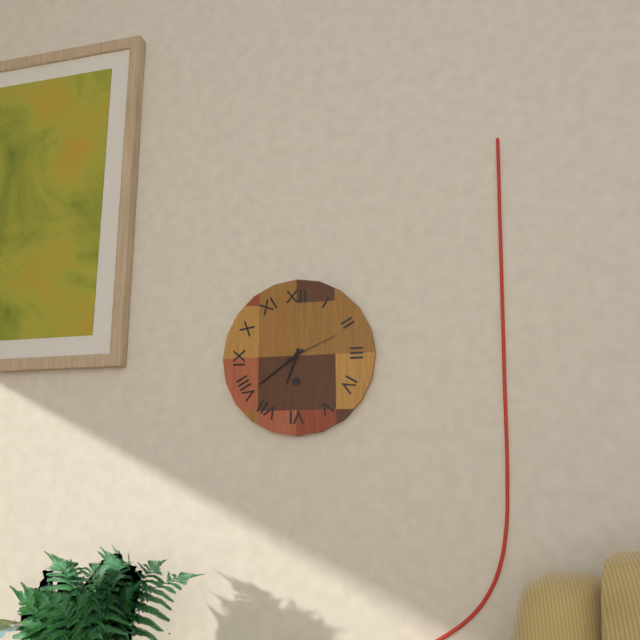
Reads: 6:39:11
